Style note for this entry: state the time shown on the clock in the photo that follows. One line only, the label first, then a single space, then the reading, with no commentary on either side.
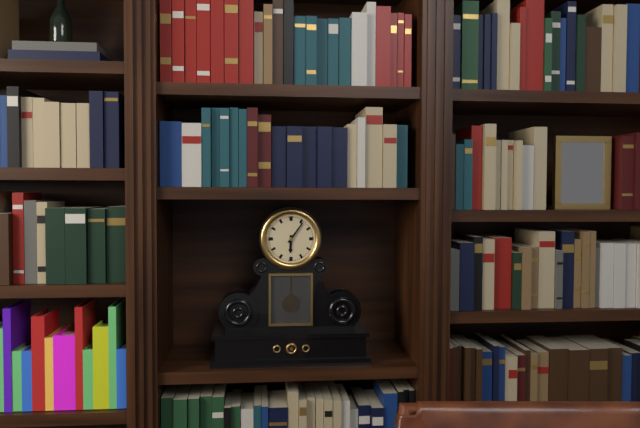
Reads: 6:06
